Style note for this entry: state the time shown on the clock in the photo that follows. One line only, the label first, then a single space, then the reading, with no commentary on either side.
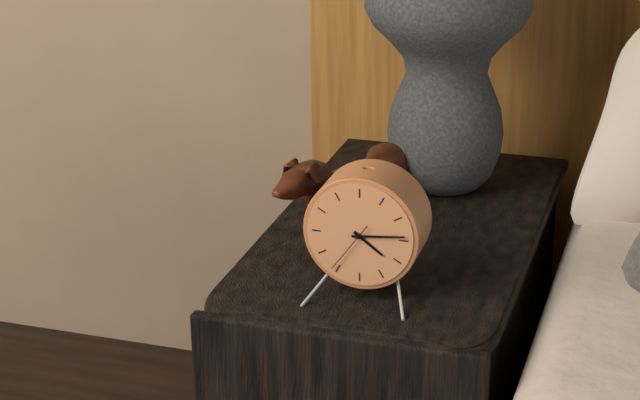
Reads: 4:14:36
